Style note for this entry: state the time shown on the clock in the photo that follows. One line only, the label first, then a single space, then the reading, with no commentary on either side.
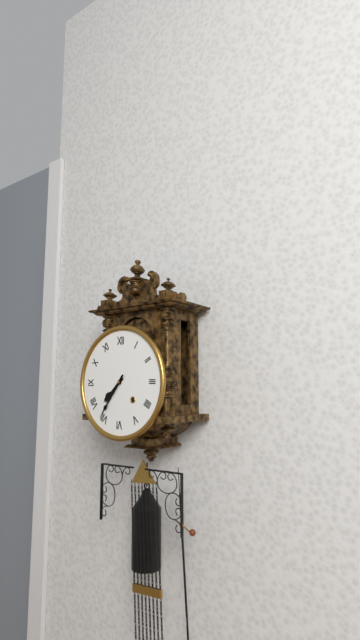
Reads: 7:36
